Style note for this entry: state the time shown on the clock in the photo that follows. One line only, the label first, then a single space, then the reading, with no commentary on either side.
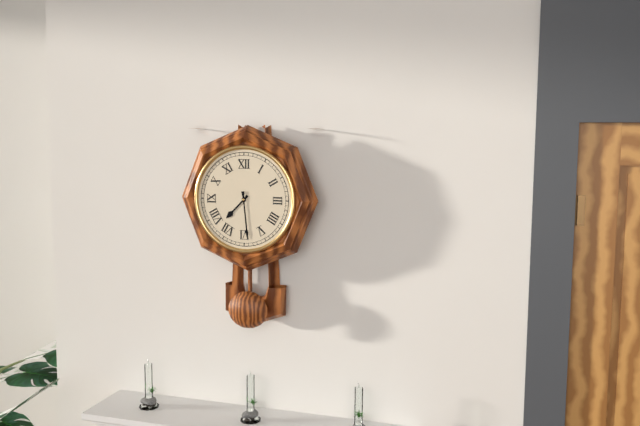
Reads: 7:29
